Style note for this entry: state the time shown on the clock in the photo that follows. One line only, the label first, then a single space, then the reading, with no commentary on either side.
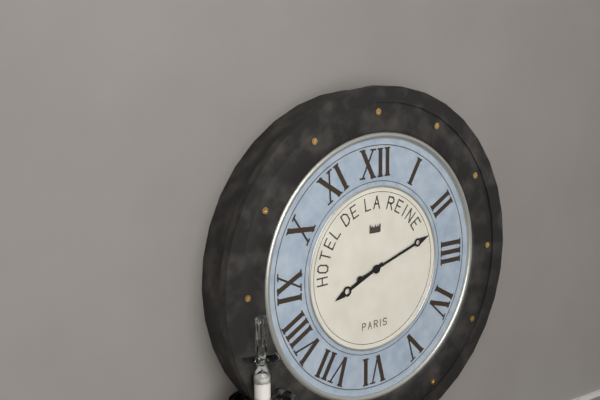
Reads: 8:12
